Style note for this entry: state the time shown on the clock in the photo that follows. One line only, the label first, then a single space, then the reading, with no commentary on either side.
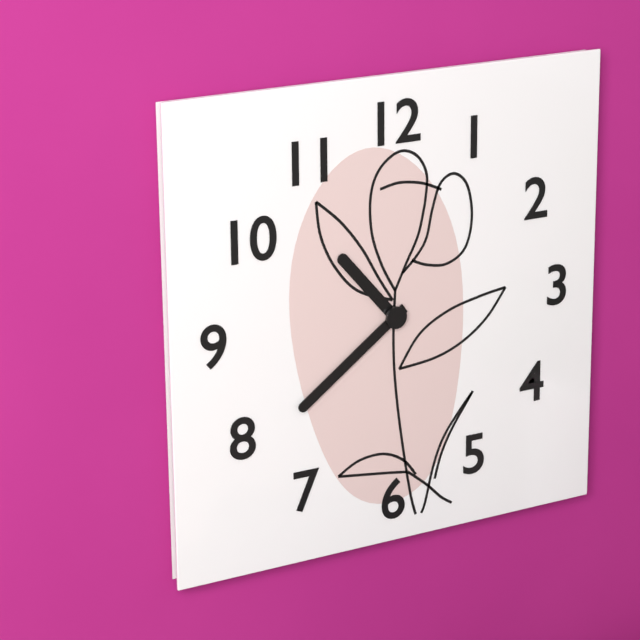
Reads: 10:39
